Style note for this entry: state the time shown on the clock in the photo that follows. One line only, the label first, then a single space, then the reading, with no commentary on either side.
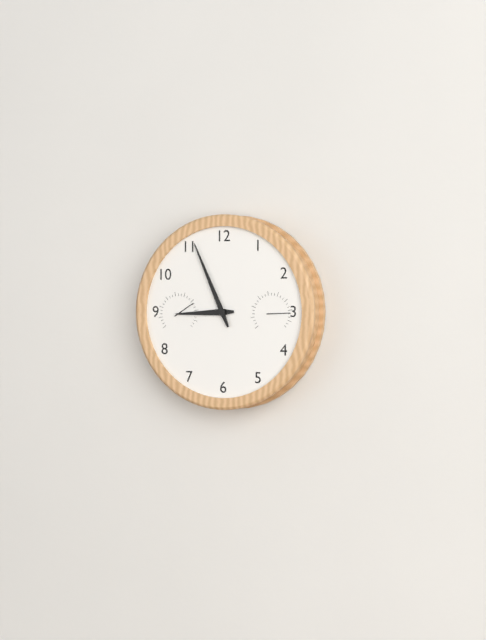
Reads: 8:56
